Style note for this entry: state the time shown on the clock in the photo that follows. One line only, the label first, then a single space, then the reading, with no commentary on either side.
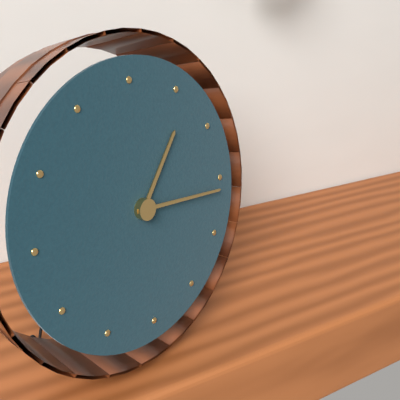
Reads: 1:16
